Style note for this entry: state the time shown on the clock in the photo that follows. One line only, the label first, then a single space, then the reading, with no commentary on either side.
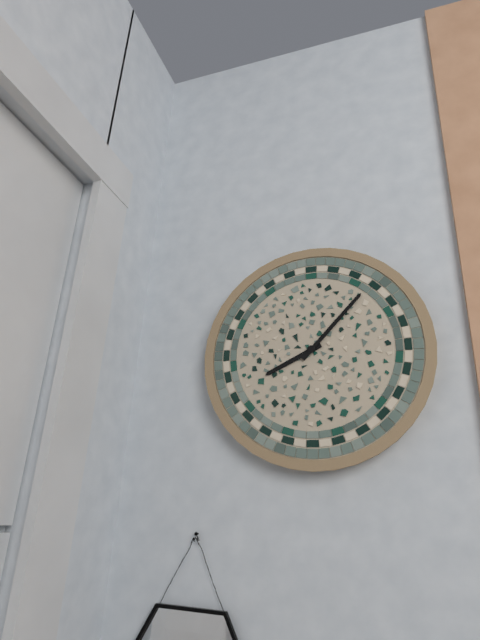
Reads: 8:07
